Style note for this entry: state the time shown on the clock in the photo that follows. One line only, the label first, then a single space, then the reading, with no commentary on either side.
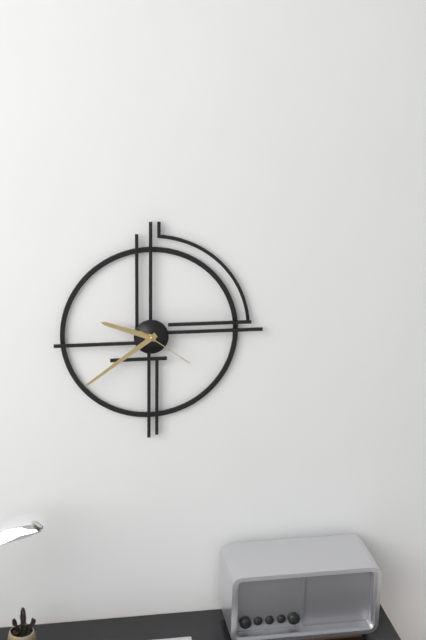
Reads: 9:39:21
